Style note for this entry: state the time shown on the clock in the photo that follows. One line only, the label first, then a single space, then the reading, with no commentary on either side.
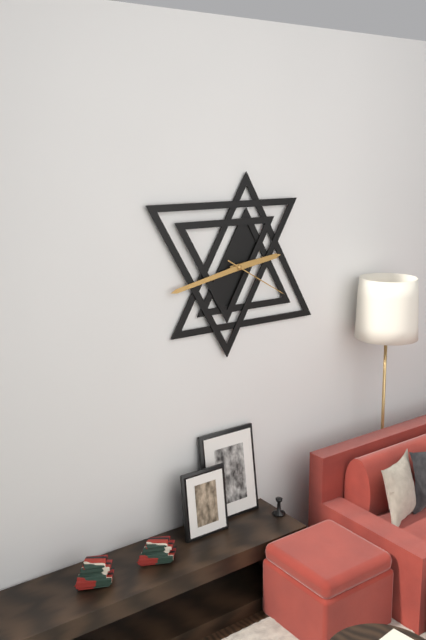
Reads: 2:43:20
